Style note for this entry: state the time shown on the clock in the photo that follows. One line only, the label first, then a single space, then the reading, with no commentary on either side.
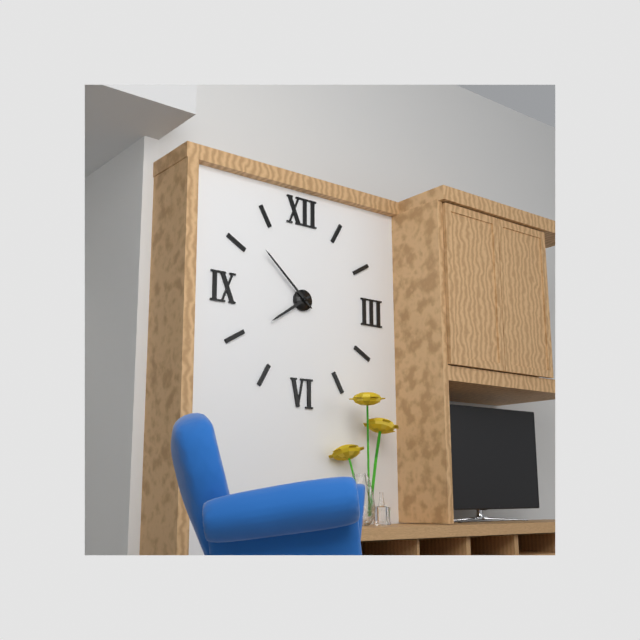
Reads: 7:52
